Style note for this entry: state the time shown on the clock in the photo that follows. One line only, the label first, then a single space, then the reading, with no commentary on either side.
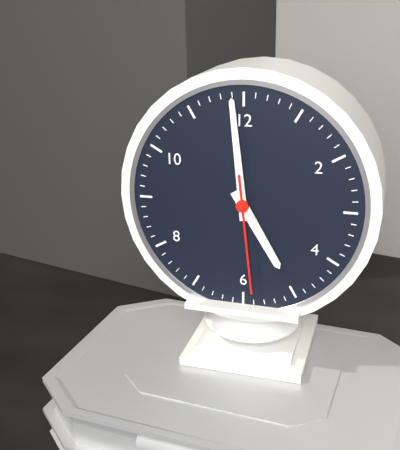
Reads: 4:59:29
